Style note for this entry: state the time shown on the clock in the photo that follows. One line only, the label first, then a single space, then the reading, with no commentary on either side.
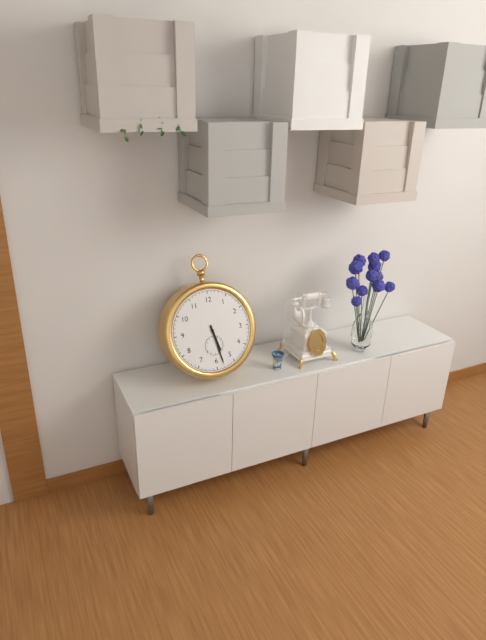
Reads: 5:28
